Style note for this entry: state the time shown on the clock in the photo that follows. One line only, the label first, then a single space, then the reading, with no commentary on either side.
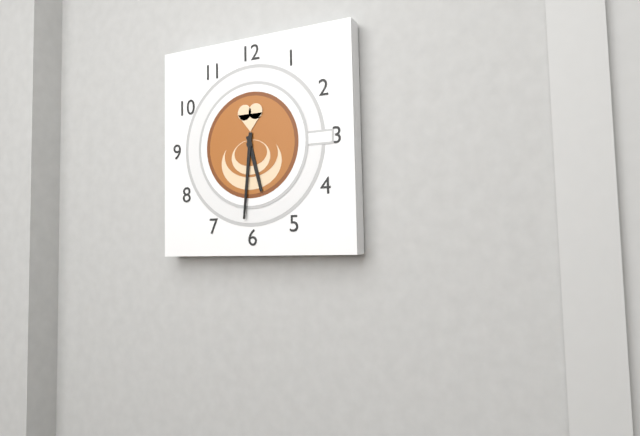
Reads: 5:31
